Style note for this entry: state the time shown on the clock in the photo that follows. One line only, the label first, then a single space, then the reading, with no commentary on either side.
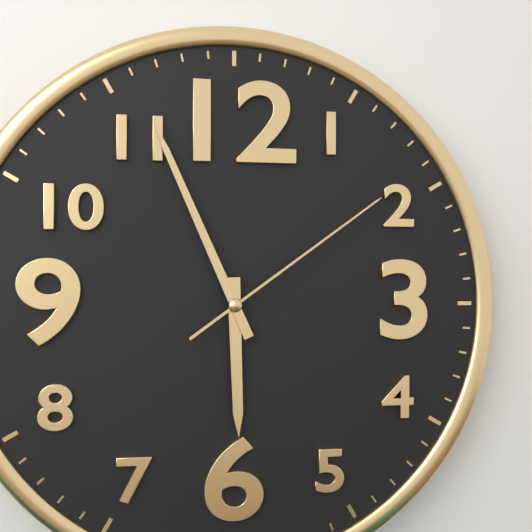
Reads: 5:56:09
